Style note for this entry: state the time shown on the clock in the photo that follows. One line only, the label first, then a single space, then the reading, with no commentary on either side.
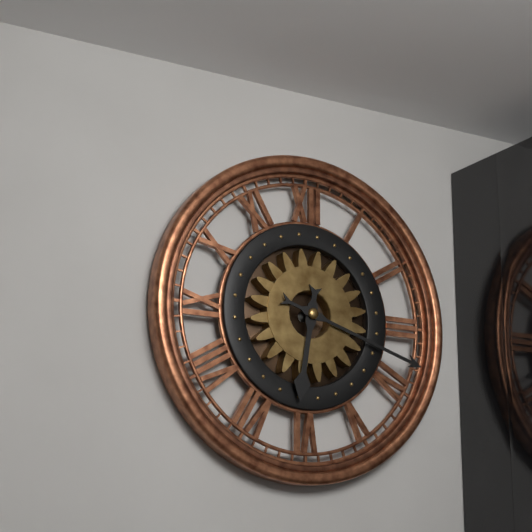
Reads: 6:18
